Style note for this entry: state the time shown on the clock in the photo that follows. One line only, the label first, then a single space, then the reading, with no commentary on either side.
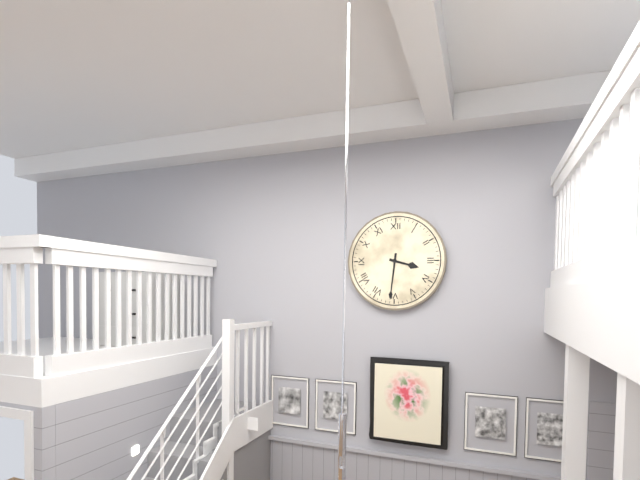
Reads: 3:31
